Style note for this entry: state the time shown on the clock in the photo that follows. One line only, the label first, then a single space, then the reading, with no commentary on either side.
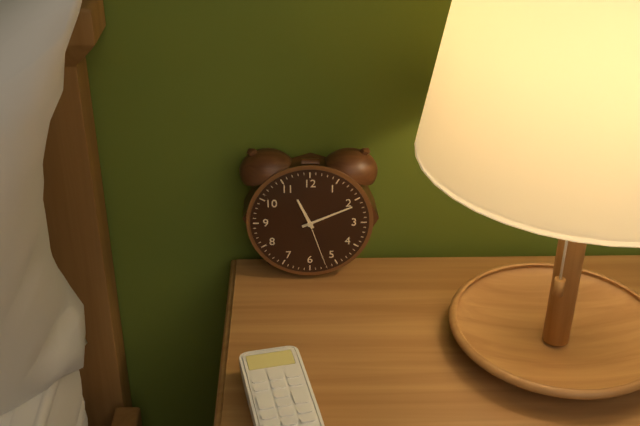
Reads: 11:11:27
